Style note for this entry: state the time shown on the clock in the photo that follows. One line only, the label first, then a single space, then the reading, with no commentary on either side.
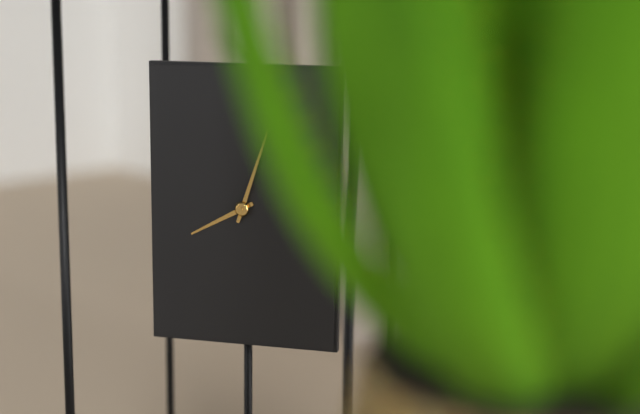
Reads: 8:03
